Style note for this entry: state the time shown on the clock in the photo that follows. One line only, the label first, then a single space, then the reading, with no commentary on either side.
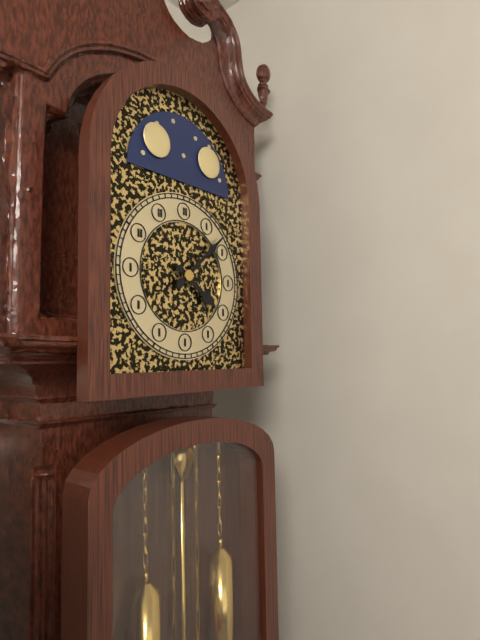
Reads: 4:08
